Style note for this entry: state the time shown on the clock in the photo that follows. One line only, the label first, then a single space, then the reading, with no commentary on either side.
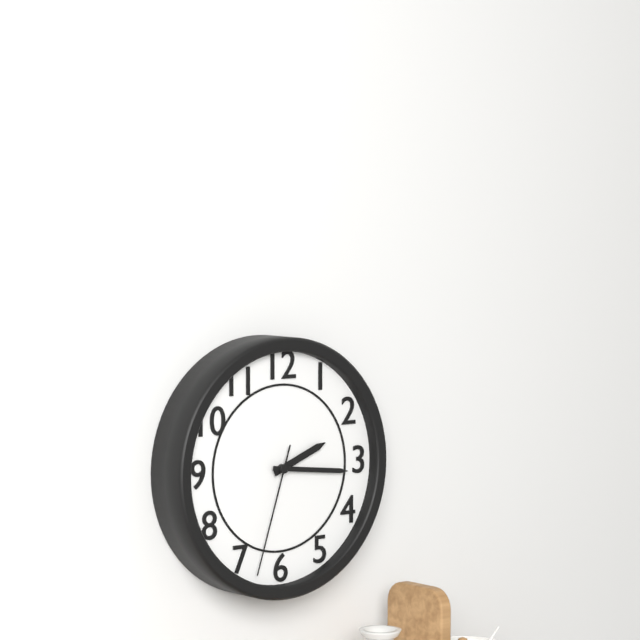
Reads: 2:16:33
